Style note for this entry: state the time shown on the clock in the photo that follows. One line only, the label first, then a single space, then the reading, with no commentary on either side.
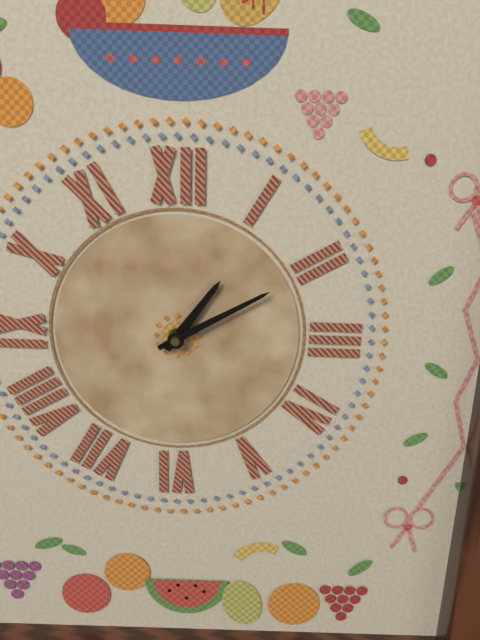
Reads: 1:10
